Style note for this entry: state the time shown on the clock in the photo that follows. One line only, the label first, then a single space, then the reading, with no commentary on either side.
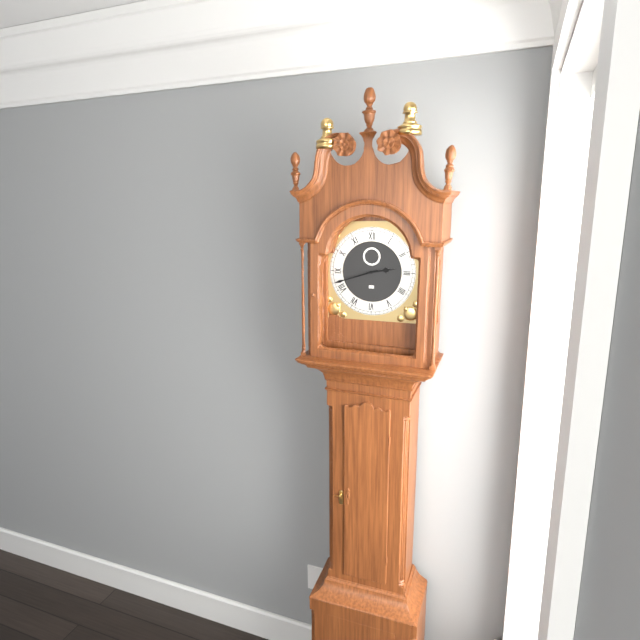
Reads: 2:42
